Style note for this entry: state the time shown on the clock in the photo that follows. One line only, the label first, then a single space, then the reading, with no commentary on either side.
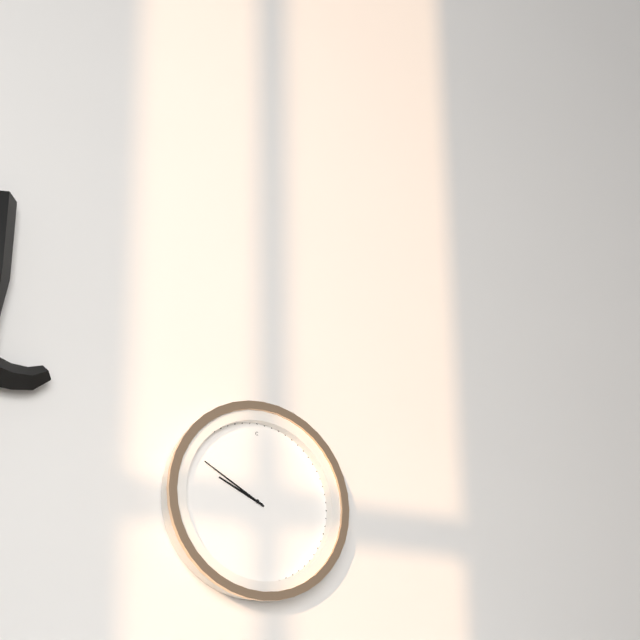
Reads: 9:50
